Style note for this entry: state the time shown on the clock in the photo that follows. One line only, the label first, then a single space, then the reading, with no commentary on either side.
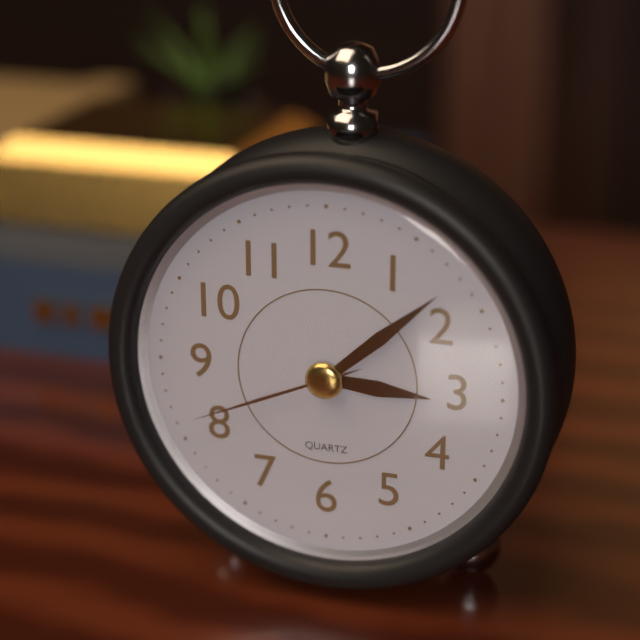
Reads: 3:08:41
